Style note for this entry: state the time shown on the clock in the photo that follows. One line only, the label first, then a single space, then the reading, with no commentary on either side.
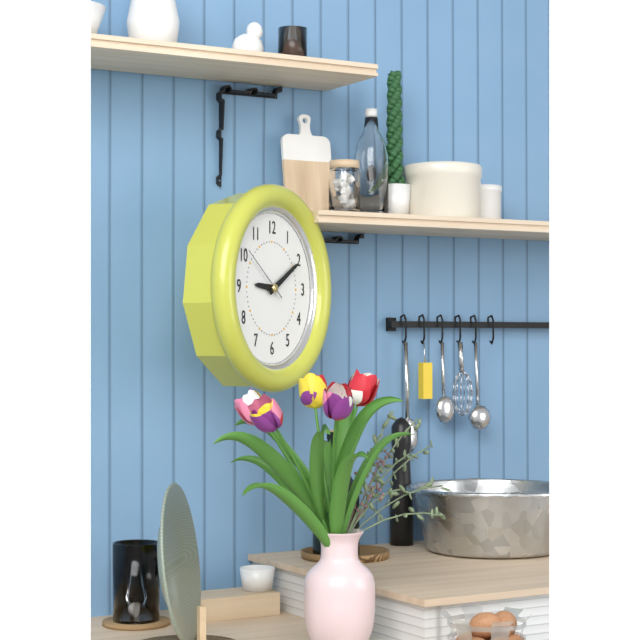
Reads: 9:10
